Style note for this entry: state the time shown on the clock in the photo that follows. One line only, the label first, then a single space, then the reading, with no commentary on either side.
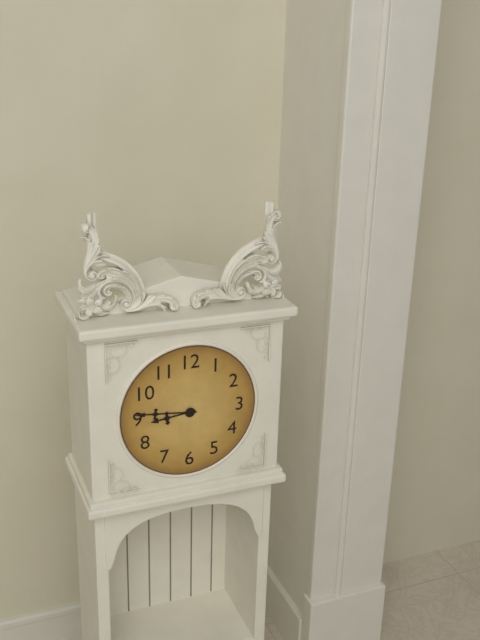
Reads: 8:46
